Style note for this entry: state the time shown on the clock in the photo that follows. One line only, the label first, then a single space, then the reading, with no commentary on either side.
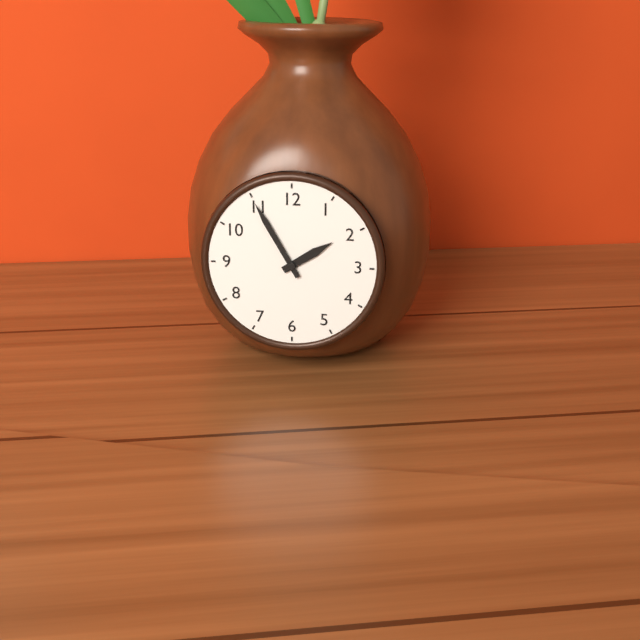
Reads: 1:55
